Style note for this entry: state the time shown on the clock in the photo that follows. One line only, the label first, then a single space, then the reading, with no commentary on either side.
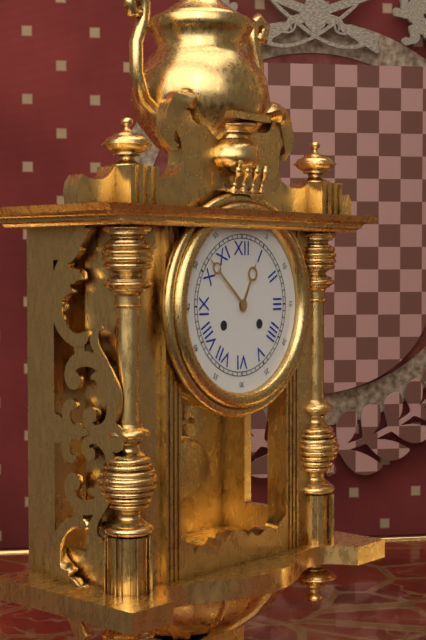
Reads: 12:52
